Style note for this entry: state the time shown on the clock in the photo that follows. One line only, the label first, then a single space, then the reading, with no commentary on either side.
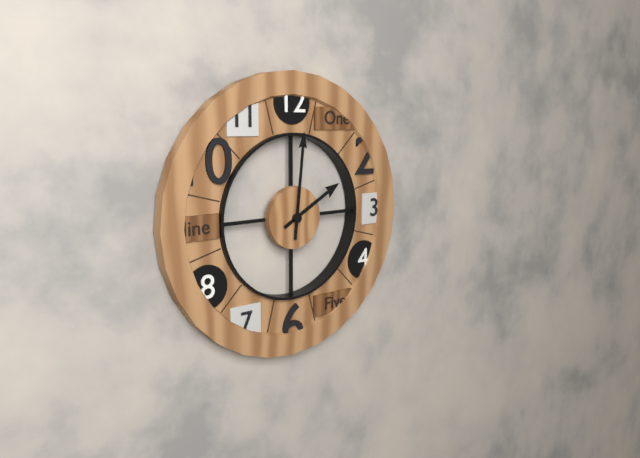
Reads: 2:01
